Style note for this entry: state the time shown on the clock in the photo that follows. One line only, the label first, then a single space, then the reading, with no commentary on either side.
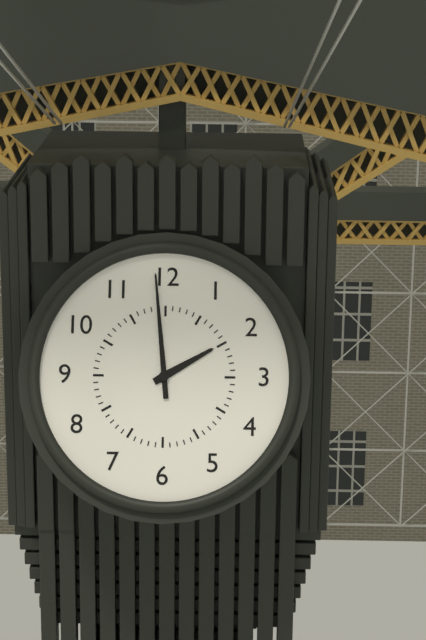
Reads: 1:59
